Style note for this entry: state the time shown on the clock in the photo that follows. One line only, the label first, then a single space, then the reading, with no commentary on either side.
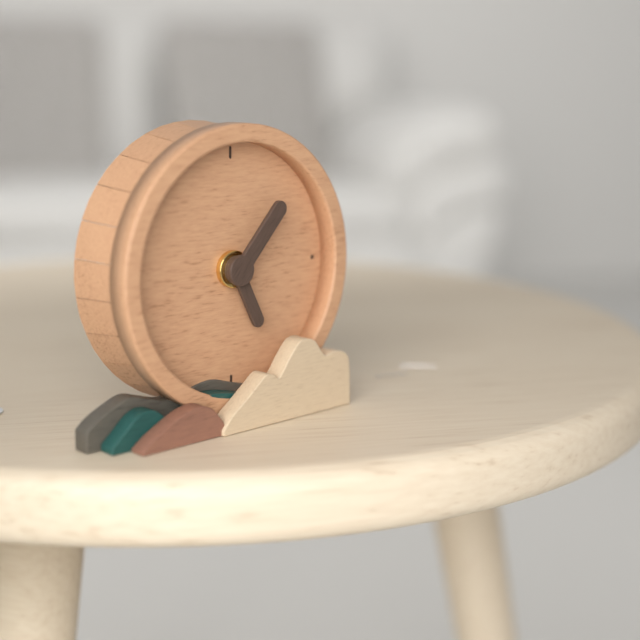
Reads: 5:07
